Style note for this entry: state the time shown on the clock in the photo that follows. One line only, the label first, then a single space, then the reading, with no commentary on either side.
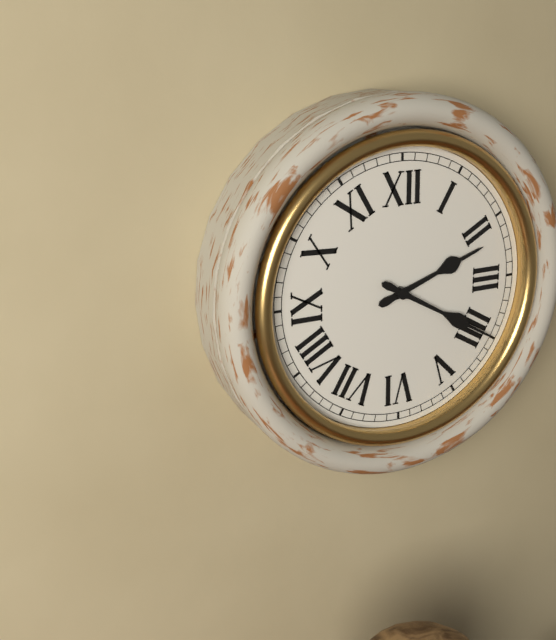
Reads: 2:20
